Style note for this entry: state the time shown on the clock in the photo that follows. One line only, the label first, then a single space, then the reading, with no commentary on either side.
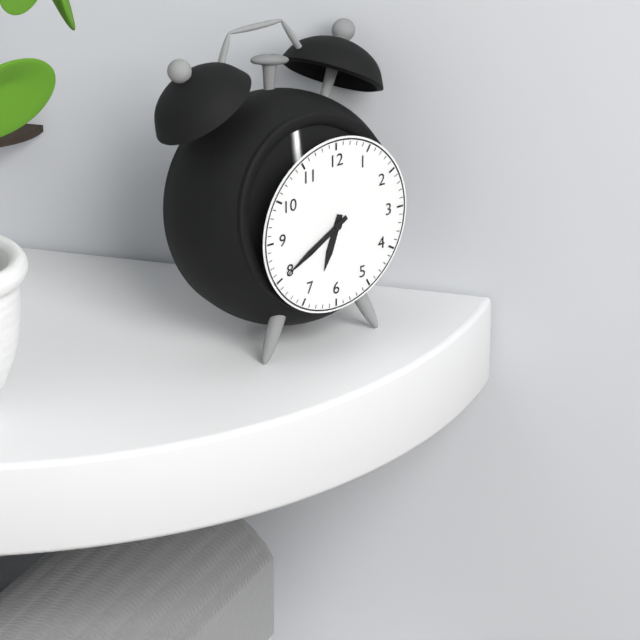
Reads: 6:40
